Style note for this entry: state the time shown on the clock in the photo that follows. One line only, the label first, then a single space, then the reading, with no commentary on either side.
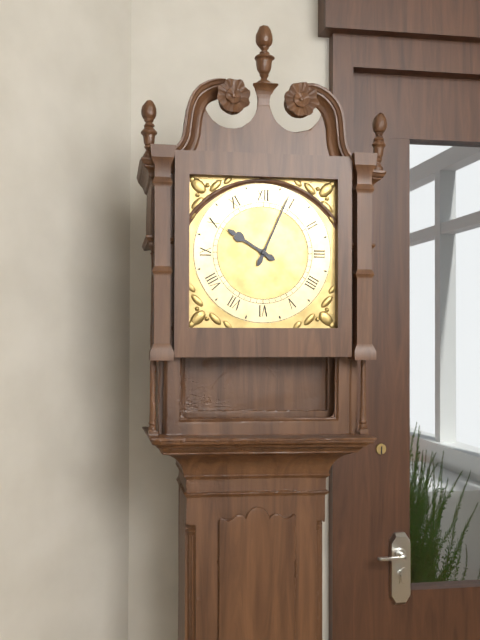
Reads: 10:04
